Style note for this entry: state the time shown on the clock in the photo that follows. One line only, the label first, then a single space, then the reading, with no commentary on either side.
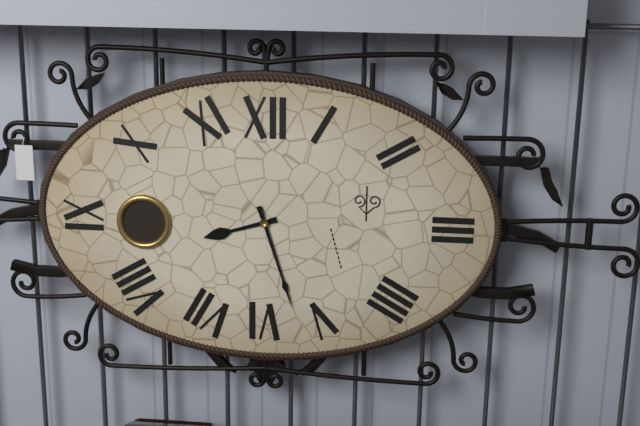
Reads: 8:27
